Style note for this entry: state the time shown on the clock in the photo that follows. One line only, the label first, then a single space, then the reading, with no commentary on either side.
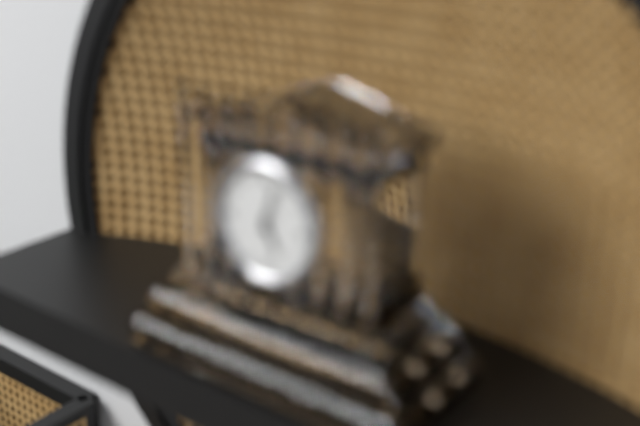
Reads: 5:03
